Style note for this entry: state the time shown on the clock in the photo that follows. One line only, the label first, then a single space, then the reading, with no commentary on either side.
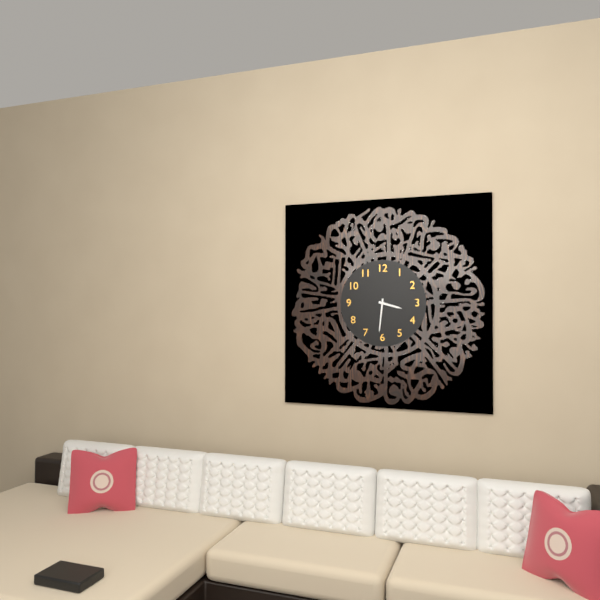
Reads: 3:31
